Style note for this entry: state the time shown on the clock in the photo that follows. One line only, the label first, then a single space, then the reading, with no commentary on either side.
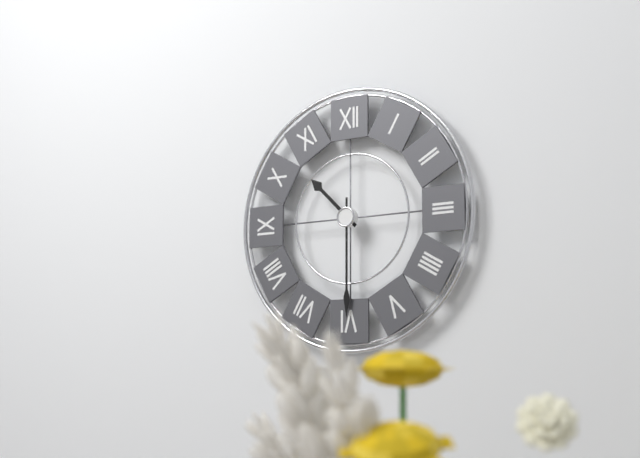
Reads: 10:30
